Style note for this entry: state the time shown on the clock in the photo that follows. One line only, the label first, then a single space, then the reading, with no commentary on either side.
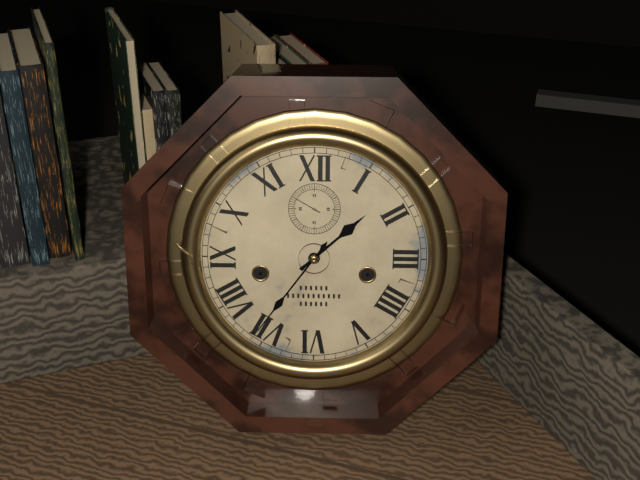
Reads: 1:36
